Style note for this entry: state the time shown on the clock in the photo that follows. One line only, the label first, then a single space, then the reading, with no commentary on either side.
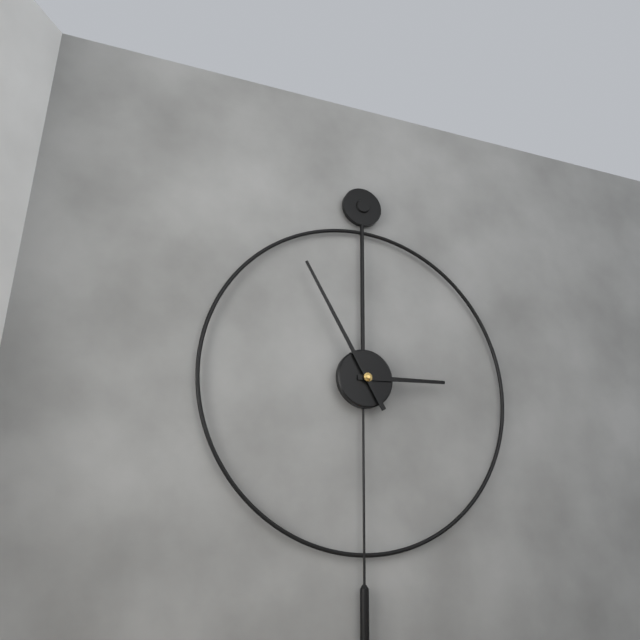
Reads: 2:55
